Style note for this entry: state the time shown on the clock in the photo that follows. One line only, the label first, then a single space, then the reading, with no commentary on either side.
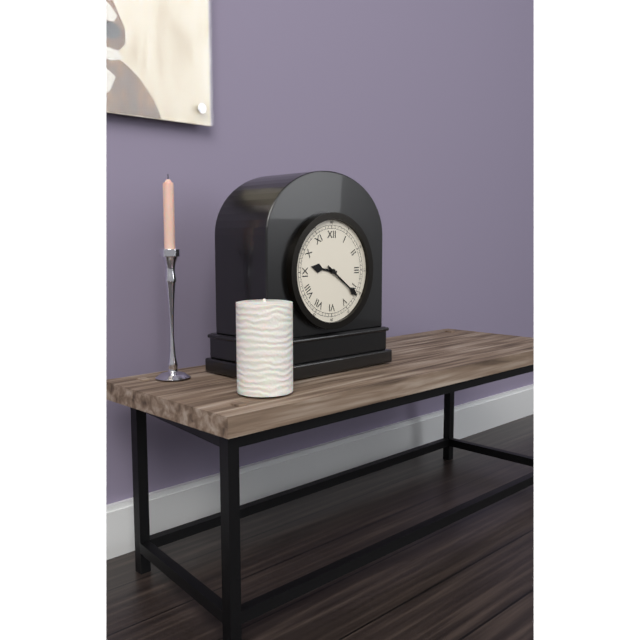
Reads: 9:21
